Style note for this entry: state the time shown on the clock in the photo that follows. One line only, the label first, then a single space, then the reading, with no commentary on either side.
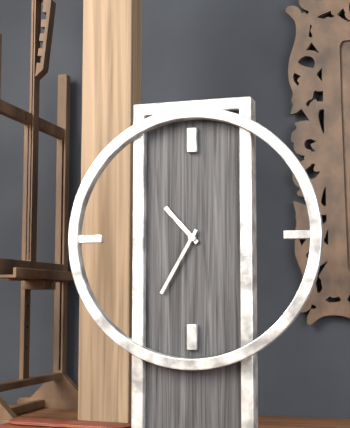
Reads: 10:35
